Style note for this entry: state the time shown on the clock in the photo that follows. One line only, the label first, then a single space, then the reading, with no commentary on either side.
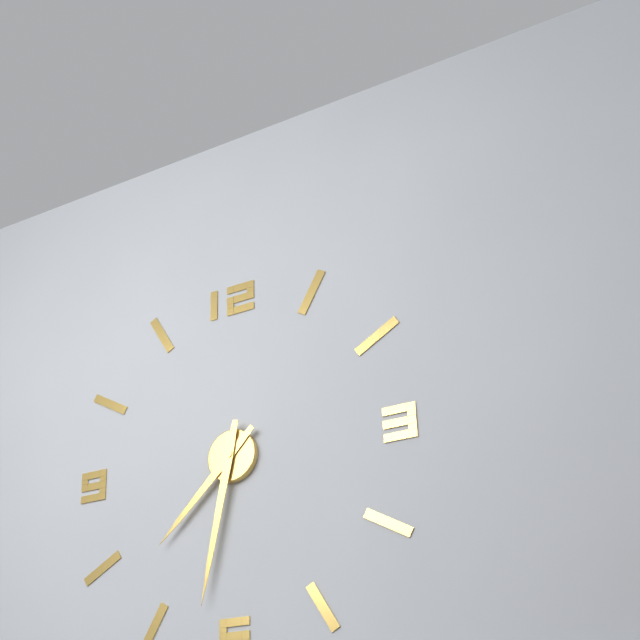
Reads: 7:32
